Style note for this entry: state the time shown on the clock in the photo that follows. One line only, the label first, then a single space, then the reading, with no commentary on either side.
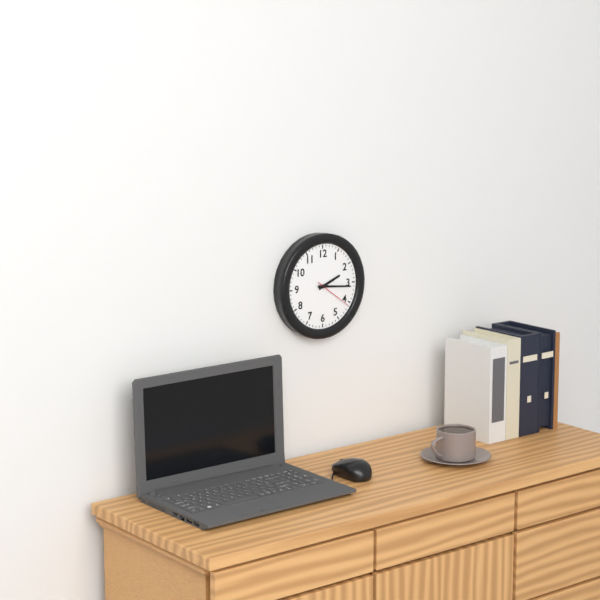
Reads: 2:16
